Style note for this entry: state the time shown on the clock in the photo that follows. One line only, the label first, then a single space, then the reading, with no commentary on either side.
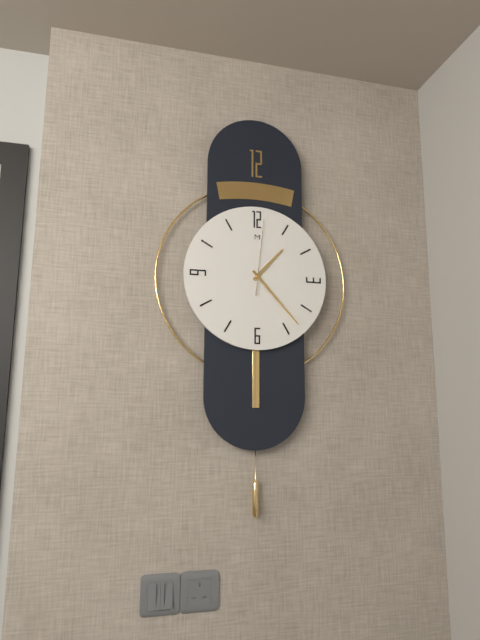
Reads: 1:23:01
